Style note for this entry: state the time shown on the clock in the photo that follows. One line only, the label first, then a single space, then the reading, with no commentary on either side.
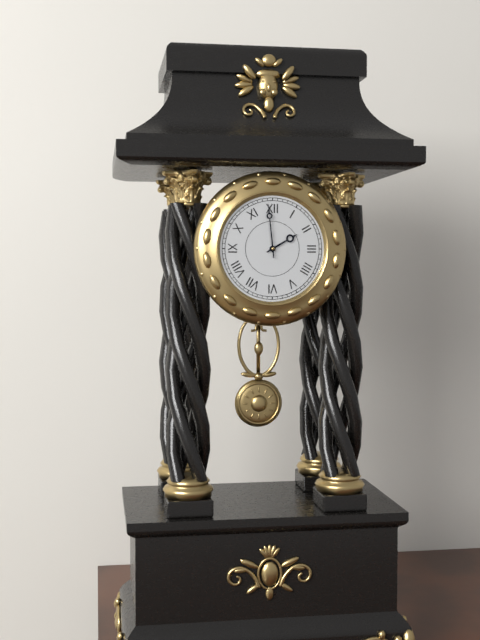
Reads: 1:59
